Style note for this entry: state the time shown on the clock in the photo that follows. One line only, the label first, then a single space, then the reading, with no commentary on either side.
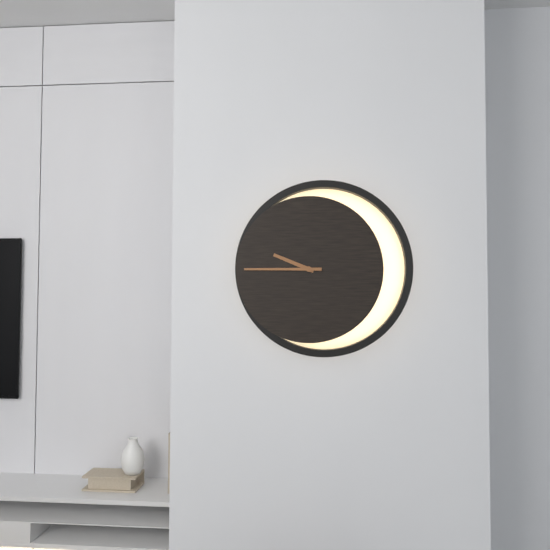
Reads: 9:45
